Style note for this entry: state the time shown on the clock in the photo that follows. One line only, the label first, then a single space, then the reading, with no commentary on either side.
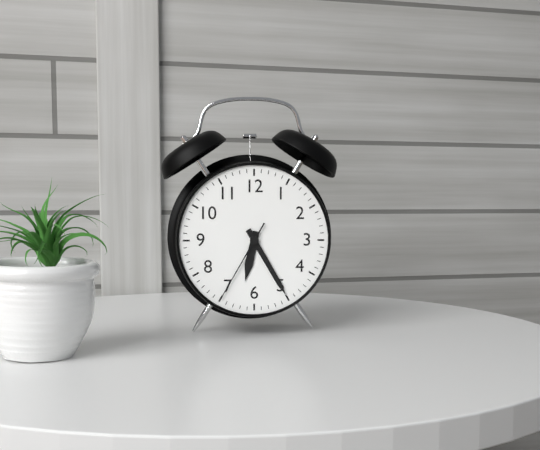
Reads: 6:25:35
